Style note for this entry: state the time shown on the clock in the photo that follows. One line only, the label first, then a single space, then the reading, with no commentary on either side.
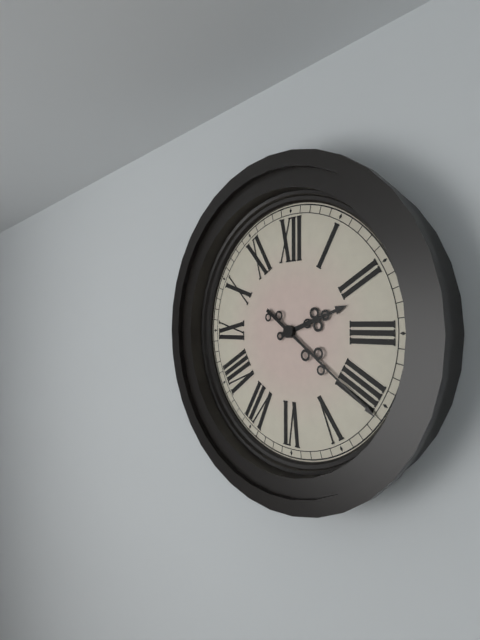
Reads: 2:21
